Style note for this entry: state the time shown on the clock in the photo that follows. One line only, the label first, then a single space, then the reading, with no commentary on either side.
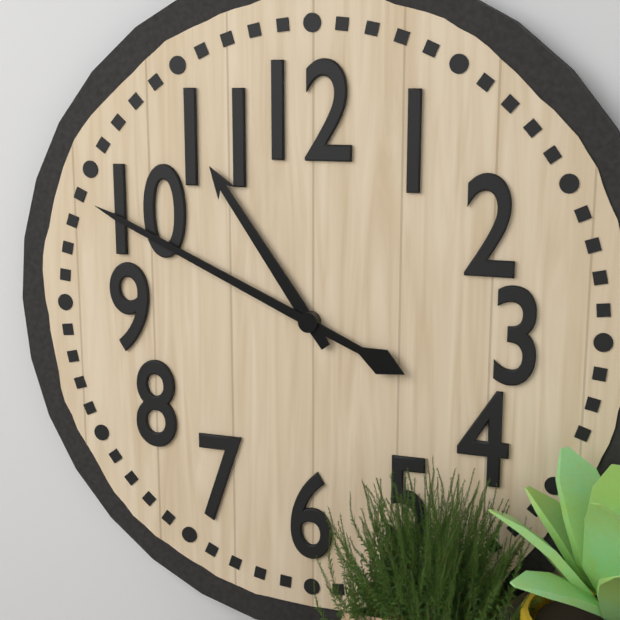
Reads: 10:49
